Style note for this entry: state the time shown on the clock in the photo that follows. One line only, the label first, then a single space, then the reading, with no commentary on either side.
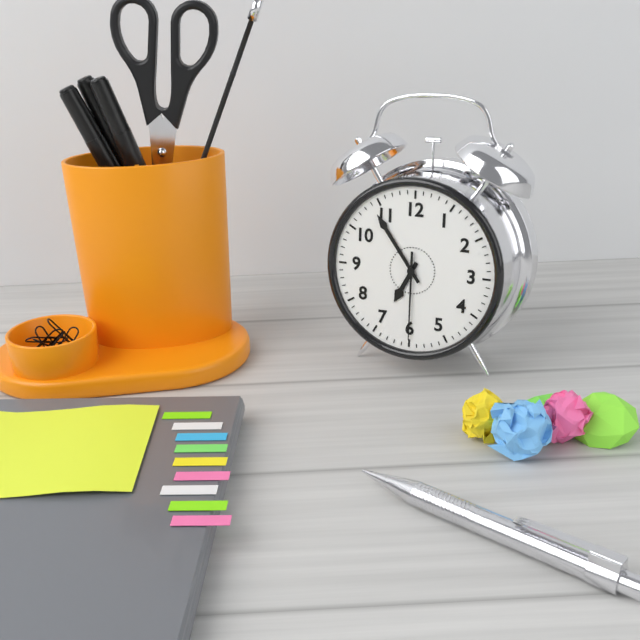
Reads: 6:54:30
